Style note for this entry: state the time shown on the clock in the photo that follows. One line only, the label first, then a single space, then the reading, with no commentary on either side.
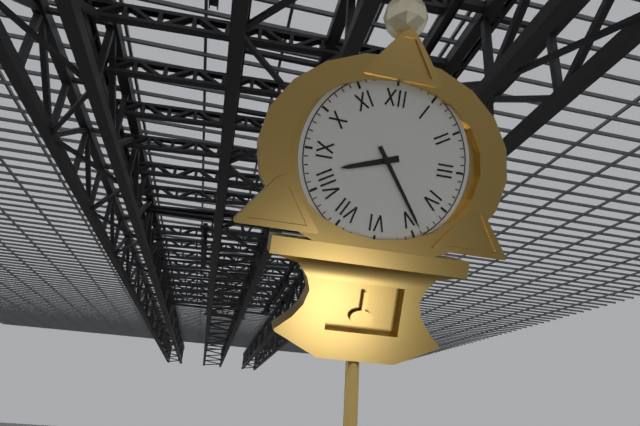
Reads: 8:24
